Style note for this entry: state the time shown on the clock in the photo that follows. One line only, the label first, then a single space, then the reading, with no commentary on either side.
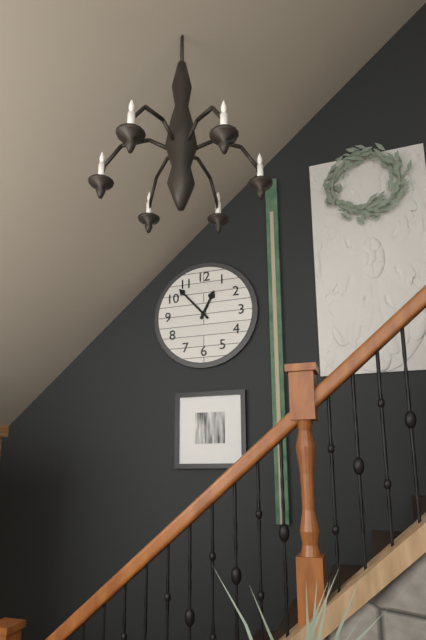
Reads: 12:53
